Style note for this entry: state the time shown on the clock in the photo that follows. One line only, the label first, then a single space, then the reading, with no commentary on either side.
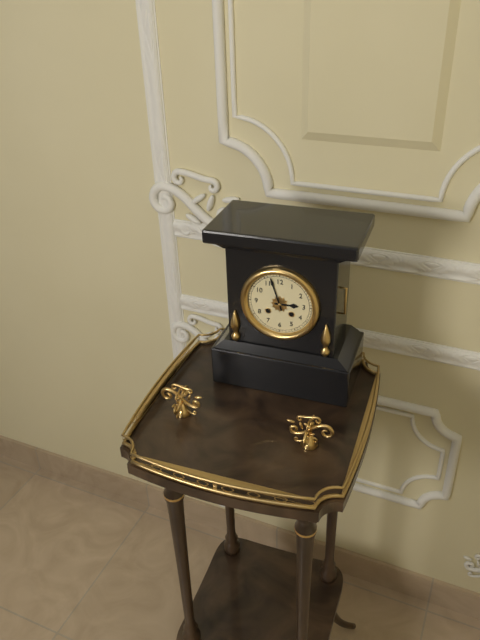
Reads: 2:57
